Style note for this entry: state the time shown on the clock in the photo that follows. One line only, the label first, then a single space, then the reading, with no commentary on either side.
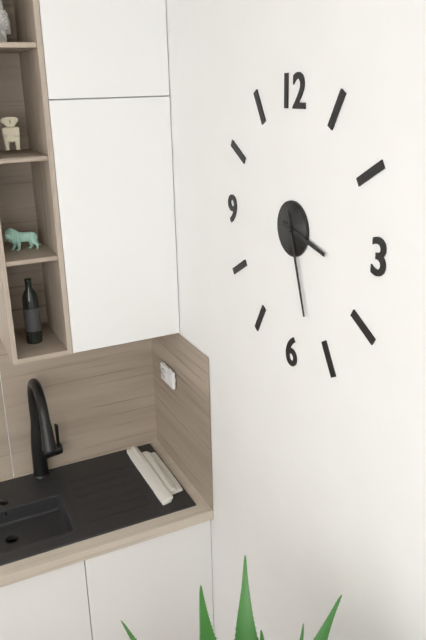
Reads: 3:27
